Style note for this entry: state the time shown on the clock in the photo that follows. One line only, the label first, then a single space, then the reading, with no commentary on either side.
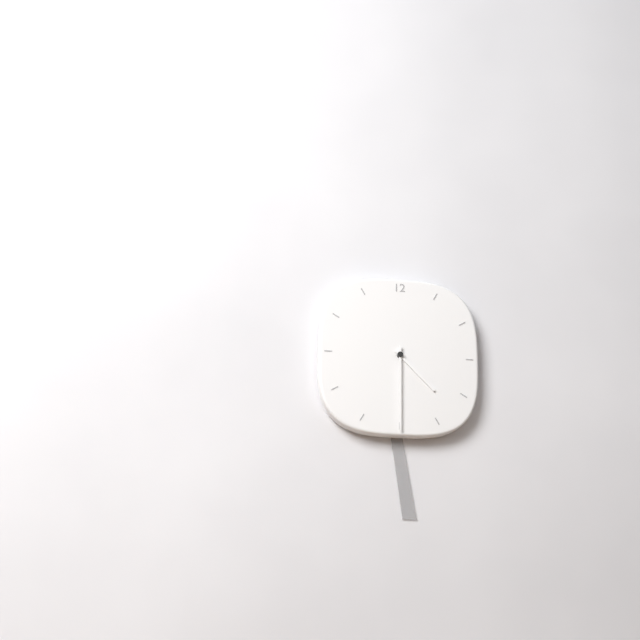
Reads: 4:30
